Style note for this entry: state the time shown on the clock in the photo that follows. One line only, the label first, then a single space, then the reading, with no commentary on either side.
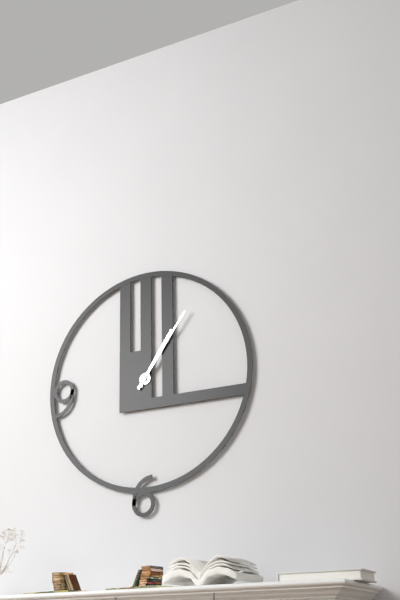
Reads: 1:06
